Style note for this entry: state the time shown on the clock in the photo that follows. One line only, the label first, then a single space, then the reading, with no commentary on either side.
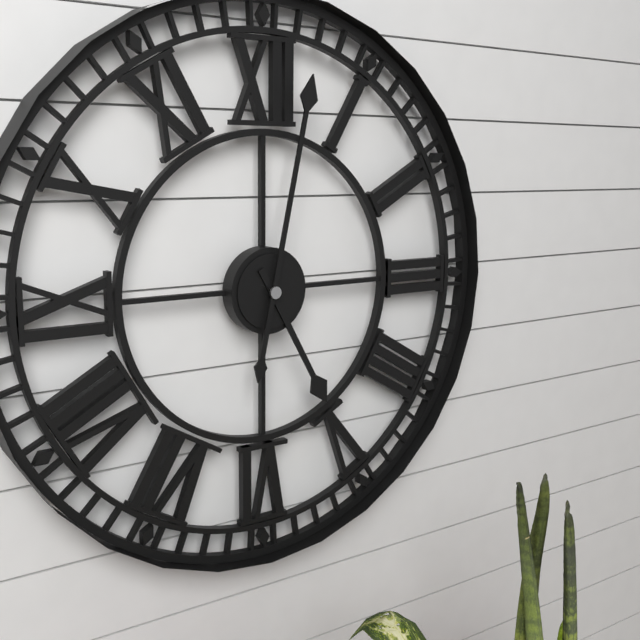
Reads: 5:02
